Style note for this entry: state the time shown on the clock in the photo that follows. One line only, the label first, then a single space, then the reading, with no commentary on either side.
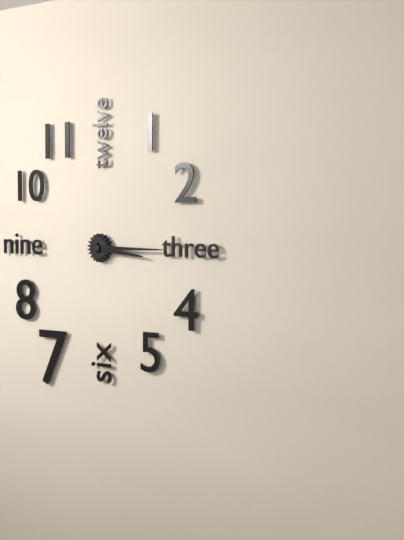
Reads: 3:15
